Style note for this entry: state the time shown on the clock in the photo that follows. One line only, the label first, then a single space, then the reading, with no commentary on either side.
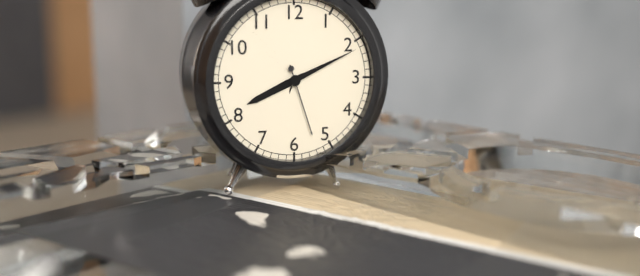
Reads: 8:11:27
